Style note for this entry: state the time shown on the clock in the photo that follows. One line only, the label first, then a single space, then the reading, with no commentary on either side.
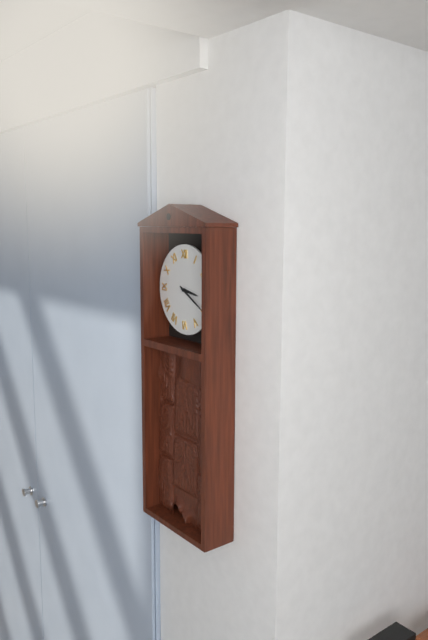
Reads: 3:20
